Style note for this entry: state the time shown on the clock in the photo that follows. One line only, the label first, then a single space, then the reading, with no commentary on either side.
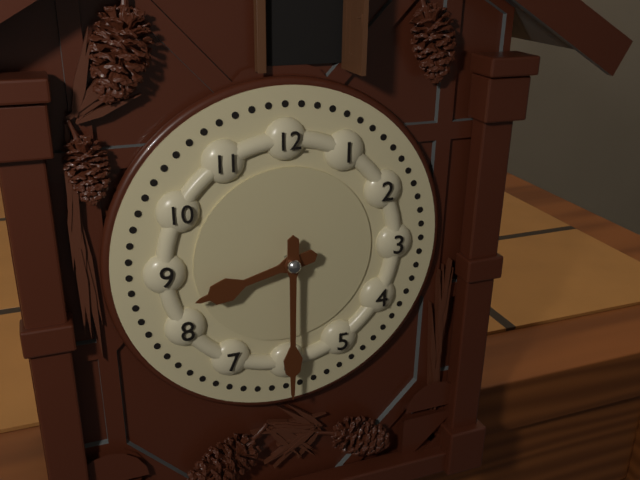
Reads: 8:30
